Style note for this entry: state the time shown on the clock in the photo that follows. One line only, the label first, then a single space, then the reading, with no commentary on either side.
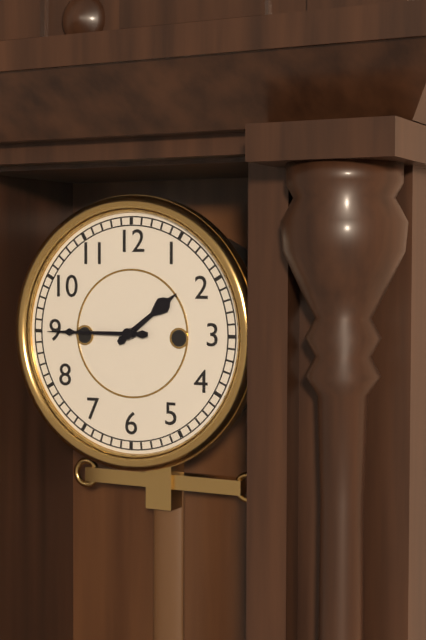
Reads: 1:45
